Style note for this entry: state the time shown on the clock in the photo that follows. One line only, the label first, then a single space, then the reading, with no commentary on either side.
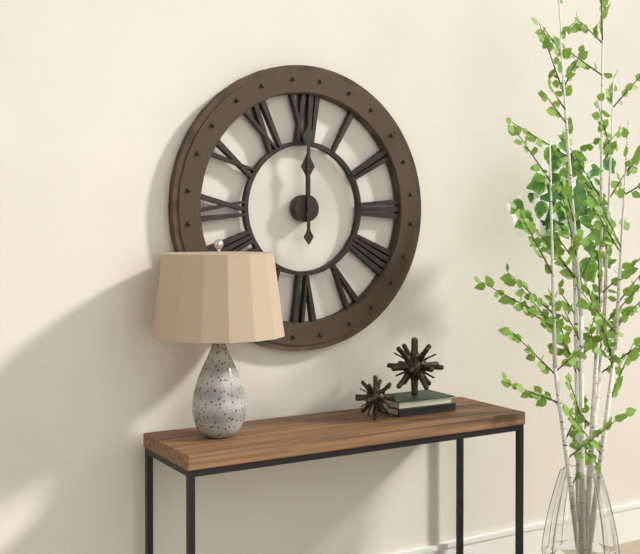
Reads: 12:00
